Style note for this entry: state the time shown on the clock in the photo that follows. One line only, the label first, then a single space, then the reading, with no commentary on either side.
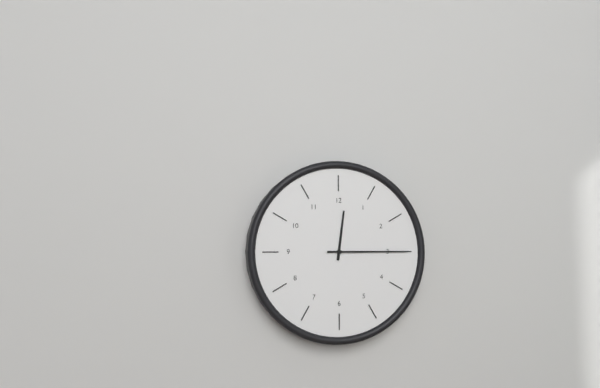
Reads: 12:15
